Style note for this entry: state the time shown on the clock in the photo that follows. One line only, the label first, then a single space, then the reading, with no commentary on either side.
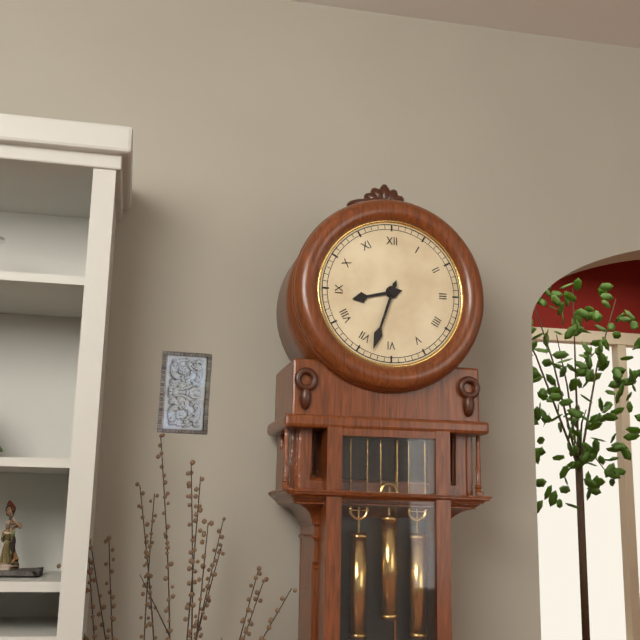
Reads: 8:33
